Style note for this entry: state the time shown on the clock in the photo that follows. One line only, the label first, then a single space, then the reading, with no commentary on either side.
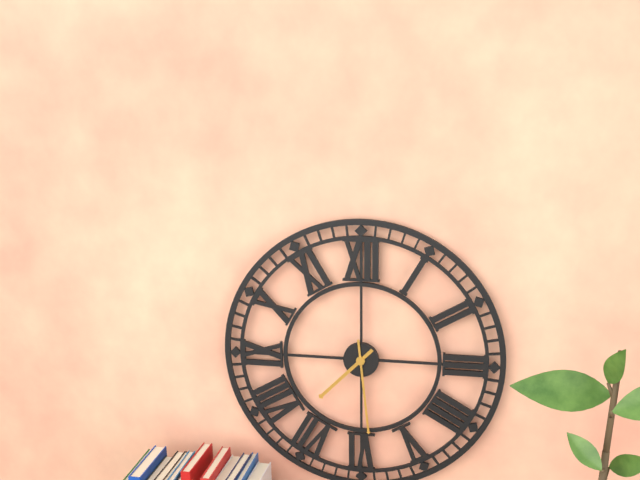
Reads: 7:29
